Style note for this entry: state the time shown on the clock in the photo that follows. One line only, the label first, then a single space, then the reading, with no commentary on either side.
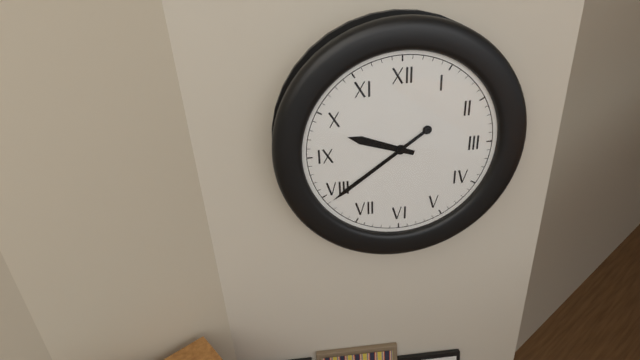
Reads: 9:39
